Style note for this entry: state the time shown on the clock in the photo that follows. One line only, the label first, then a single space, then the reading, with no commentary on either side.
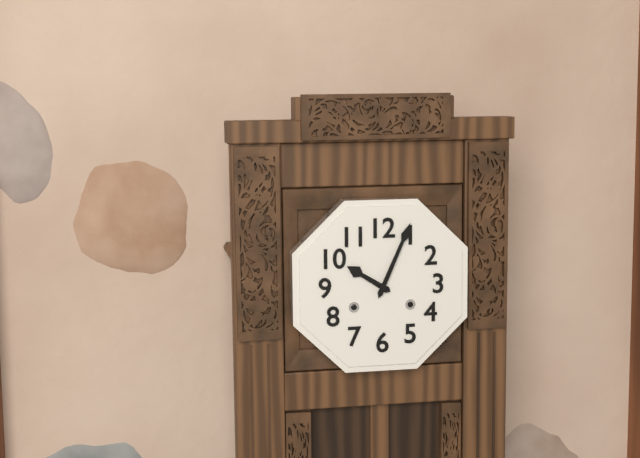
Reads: 10:04
